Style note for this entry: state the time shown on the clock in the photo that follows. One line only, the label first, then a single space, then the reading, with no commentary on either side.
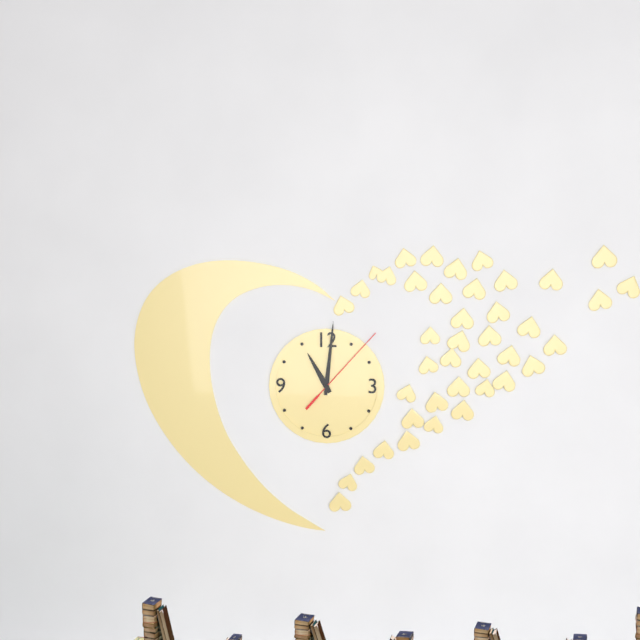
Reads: 11:01:07
